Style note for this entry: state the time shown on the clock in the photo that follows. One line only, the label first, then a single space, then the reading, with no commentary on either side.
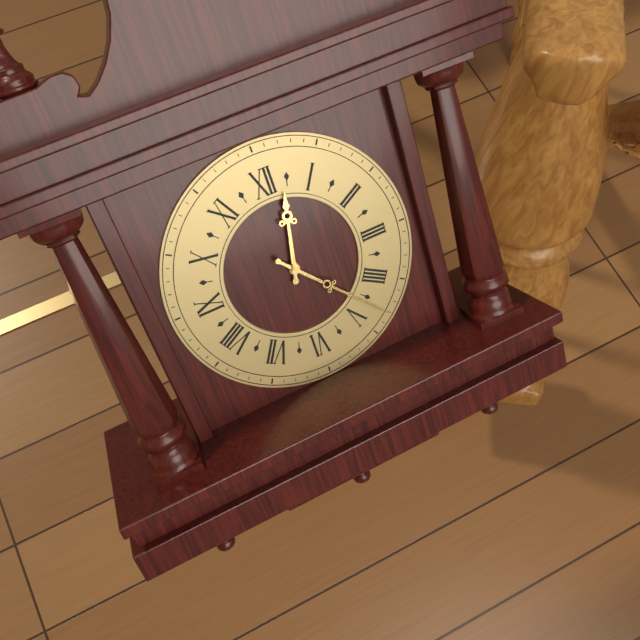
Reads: 12:23
